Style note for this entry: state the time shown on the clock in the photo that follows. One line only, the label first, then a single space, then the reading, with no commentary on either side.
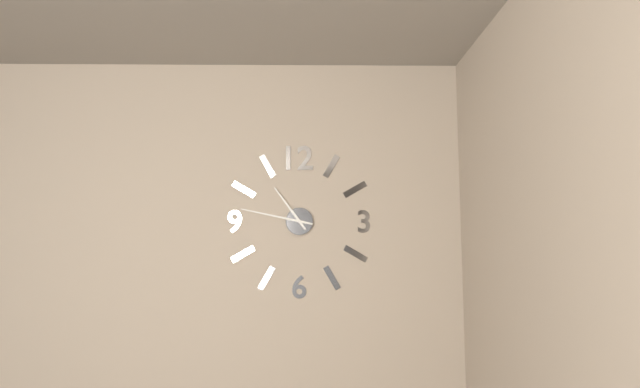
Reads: 10:47
